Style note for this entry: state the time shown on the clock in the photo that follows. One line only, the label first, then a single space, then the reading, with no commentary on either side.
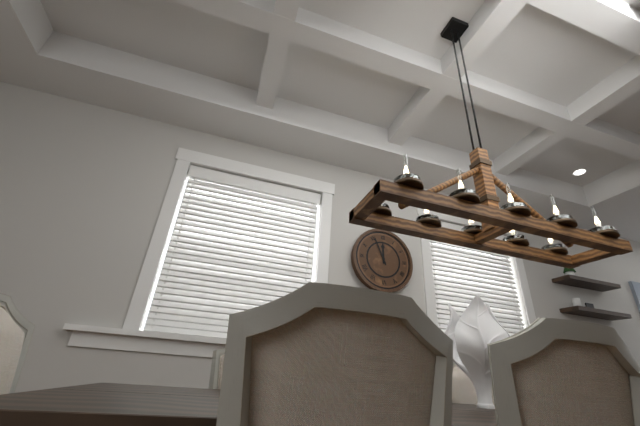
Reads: 11:56
